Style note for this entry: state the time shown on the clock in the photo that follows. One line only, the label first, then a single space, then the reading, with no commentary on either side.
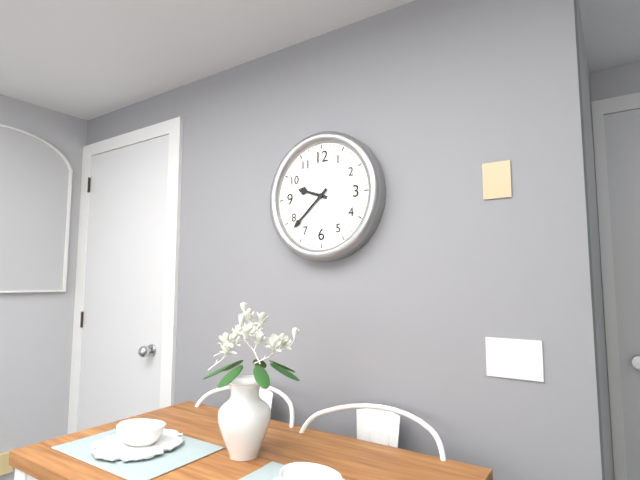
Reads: 9:38
